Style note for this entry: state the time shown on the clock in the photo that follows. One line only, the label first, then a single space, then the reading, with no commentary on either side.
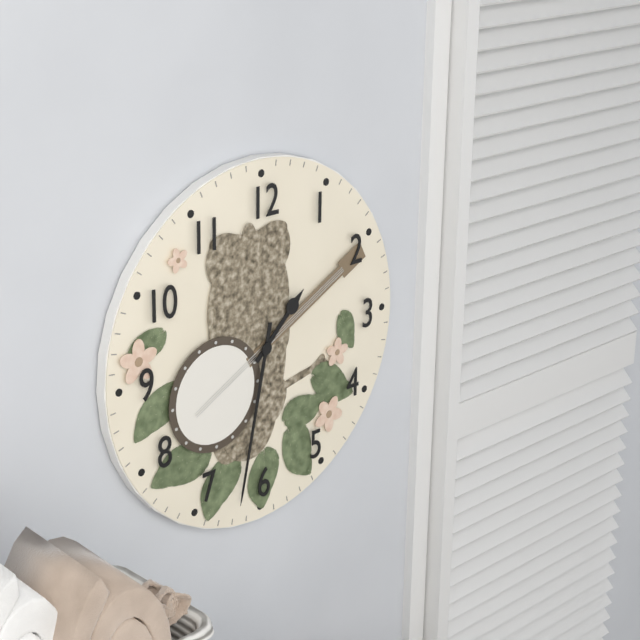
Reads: 1:32
